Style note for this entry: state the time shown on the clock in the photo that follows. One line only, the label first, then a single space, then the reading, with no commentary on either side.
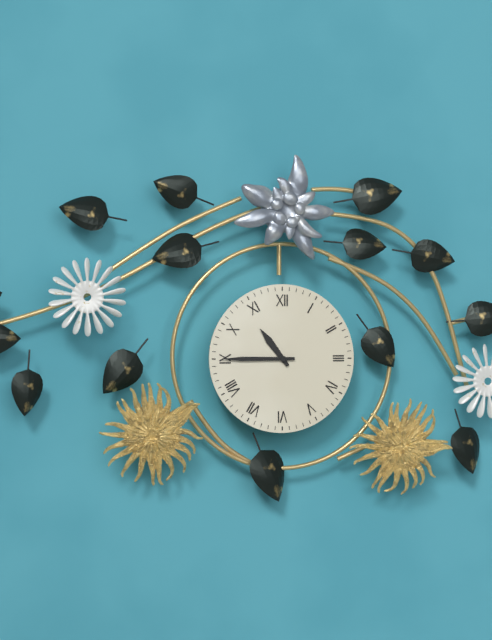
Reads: 10:45
